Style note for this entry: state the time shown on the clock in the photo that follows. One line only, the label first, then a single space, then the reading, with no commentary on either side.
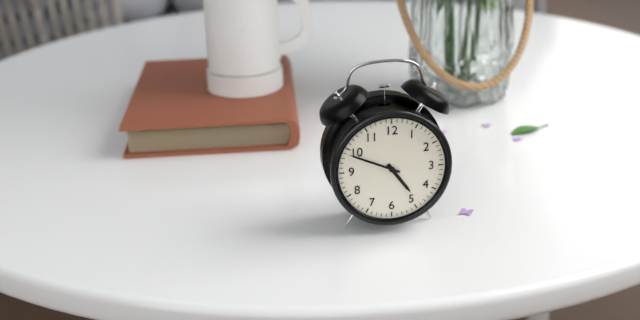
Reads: 4:49
